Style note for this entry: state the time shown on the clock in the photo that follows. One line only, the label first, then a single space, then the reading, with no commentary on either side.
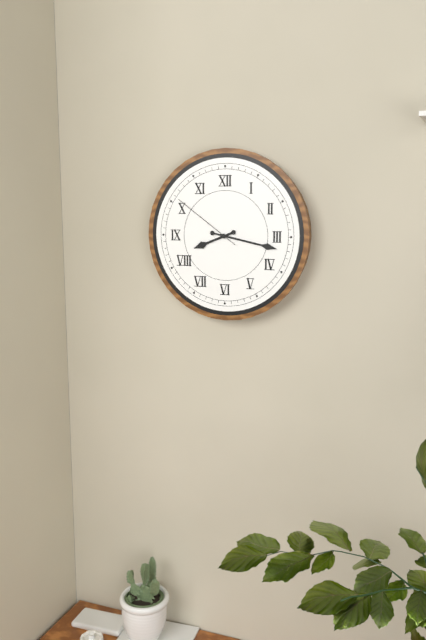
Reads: 8:17:51
